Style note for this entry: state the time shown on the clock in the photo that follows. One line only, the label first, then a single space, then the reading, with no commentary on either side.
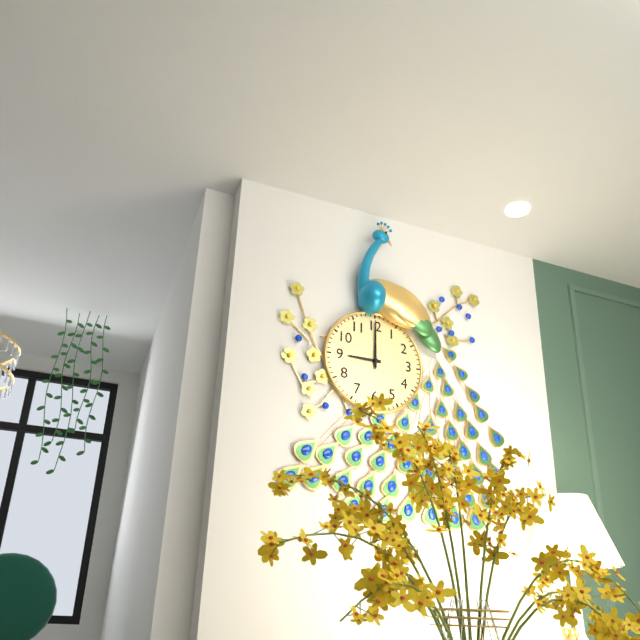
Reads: 9:00
